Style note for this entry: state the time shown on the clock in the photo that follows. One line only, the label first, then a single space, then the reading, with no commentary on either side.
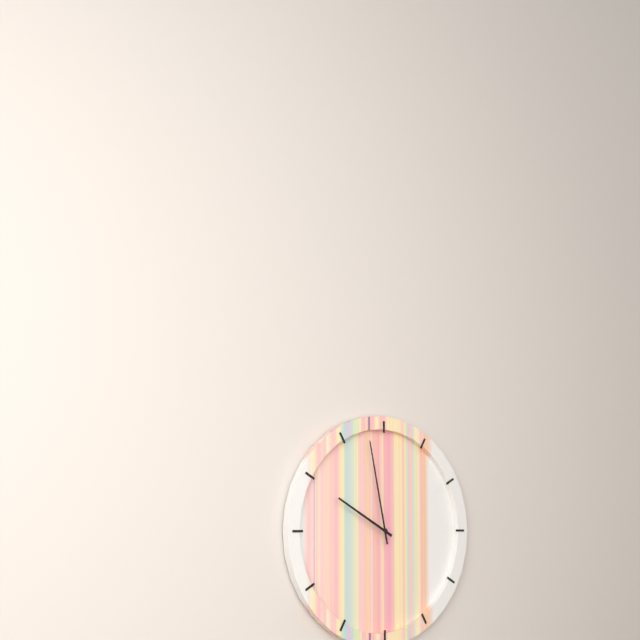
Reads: 9:58
